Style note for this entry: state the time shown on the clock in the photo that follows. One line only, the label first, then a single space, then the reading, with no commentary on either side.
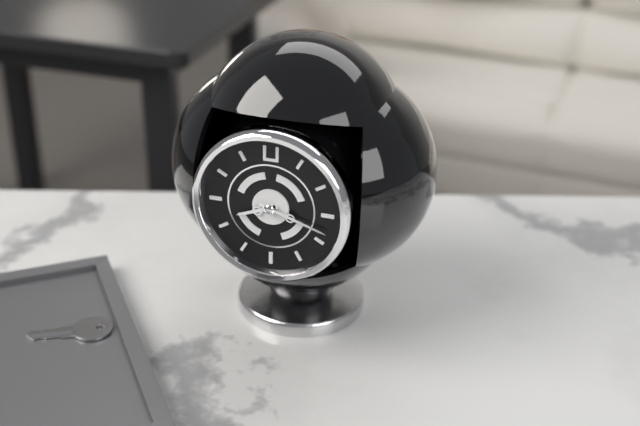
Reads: 8:18
